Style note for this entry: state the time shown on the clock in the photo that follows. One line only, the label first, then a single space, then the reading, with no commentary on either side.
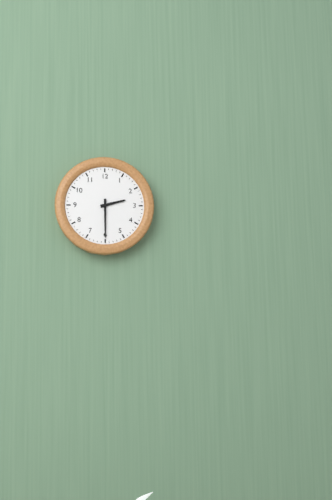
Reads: 2:30
